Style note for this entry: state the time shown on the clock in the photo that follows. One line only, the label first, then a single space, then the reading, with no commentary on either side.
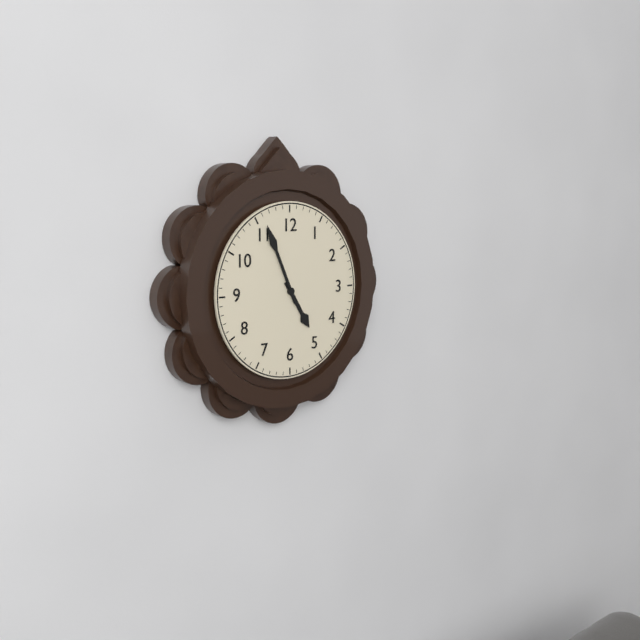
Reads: 4:56
